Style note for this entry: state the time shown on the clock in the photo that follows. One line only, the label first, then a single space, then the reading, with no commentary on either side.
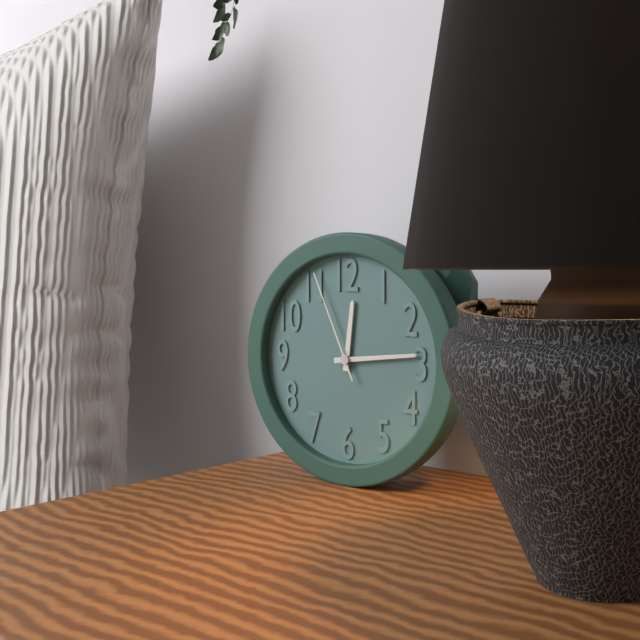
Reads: 12:14:56
